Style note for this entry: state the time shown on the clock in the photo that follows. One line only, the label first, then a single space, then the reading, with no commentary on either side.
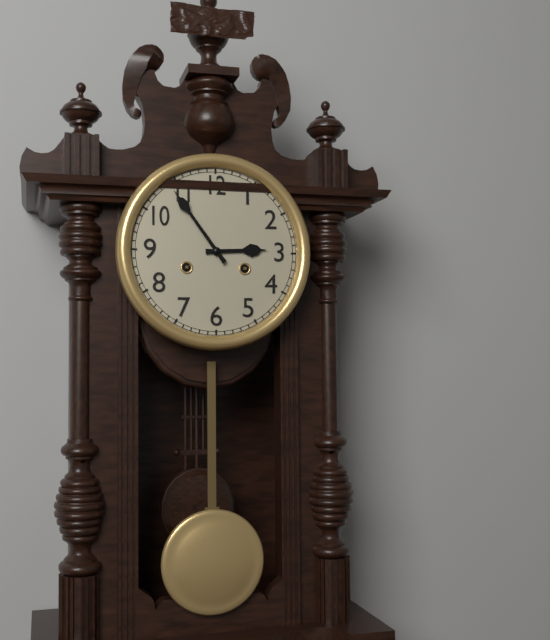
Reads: 2:54
